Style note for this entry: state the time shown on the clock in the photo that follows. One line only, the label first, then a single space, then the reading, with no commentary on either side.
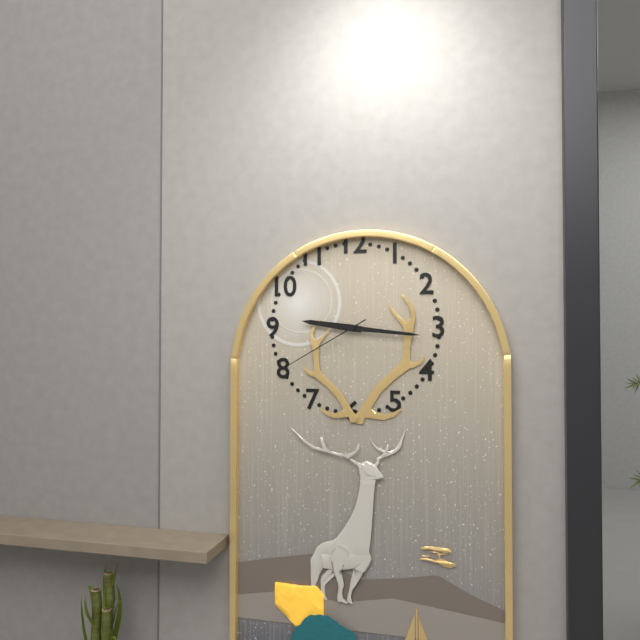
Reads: 9:16:40
